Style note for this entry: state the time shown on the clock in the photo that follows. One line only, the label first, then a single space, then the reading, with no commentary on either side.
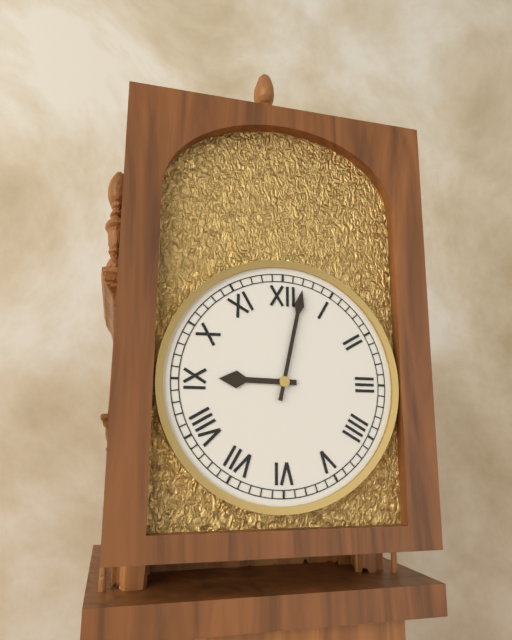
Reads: 9:02
